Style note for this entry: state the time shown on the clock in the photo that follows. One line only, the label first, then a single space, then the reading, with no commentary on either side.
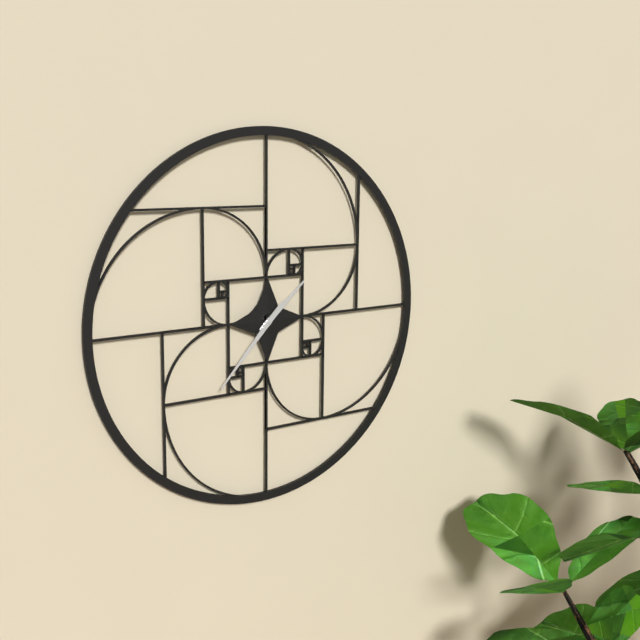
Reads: 1:37
